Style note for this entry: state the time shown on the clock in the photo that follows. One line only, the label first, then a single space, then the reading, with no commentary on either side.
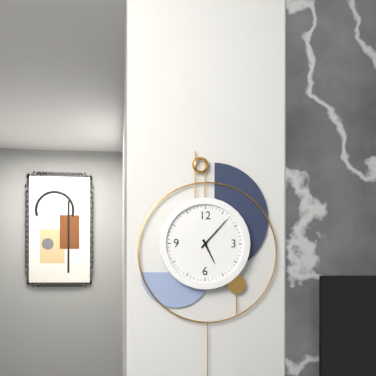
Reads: 5:07
